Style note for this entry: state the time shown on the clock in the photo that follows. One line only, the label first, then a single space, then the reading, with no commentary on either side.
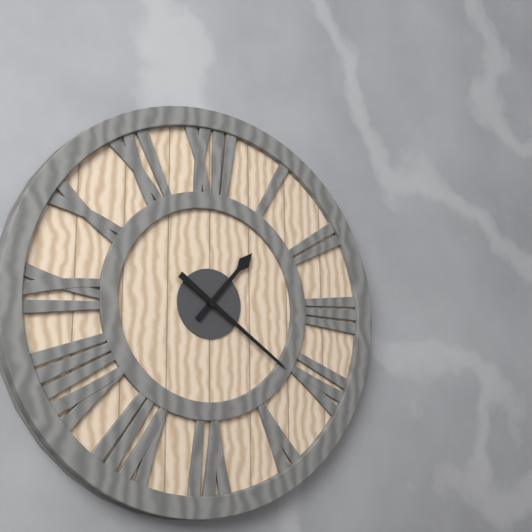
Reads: 1:21
